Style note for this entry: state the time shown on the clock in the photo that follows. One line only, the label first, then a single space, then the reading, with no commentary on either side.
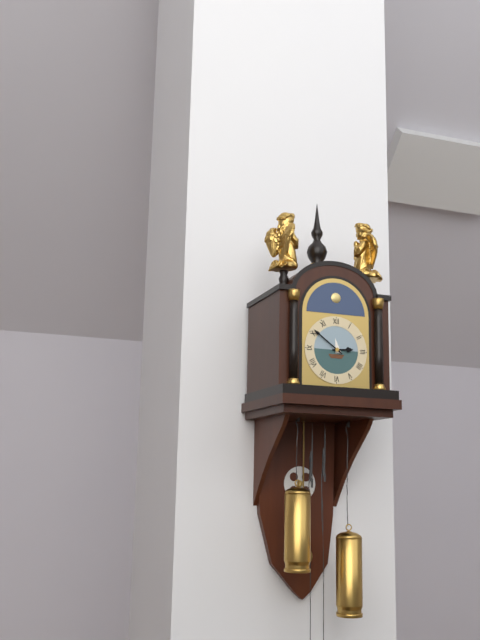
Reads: 2:51
